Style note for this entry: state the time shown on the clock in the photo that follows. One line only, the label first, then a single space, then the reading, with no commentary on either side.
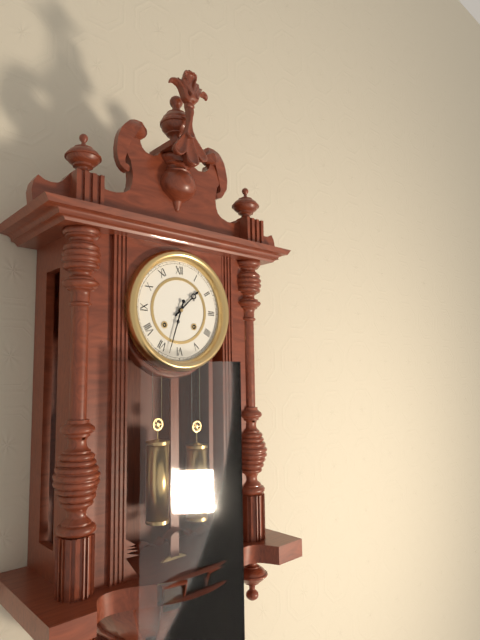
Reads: 1:33
